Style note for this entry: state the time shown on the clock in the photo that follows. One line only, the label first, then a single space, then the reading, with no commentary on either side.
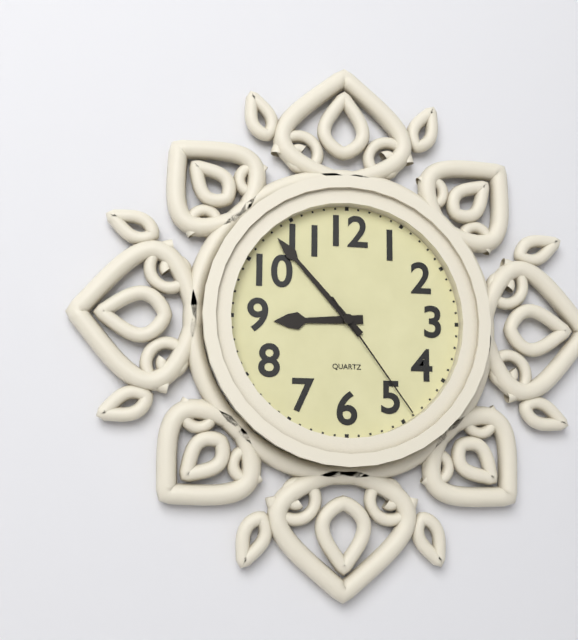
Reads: 8:53:24
